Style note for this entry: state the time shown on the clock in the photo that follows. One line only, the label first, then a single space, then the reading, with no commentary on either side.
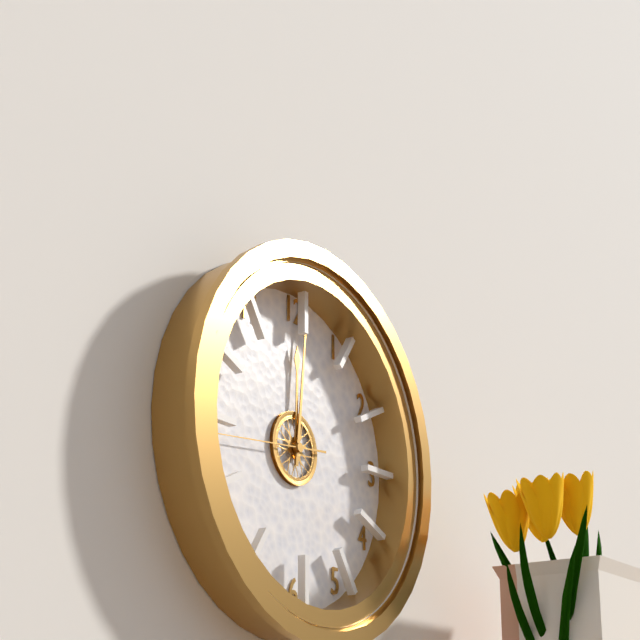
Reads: 12:01:44
